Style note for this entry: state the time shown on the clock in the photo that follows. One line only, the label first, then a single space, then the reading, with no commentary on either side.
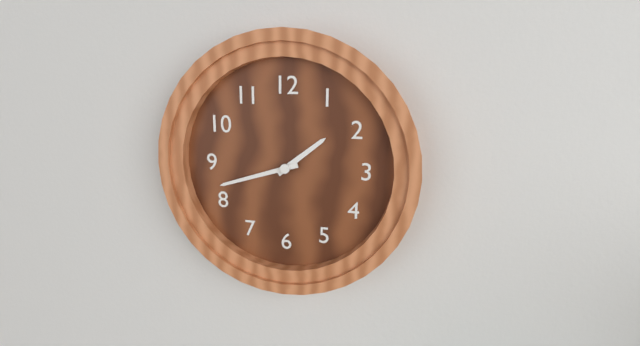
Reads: 1:42
